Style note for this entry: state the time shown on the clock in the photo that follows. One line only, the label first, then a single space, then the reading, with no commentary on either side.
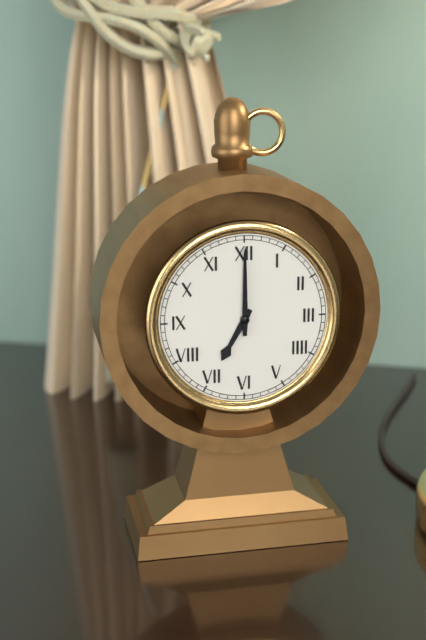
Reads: 7:00
